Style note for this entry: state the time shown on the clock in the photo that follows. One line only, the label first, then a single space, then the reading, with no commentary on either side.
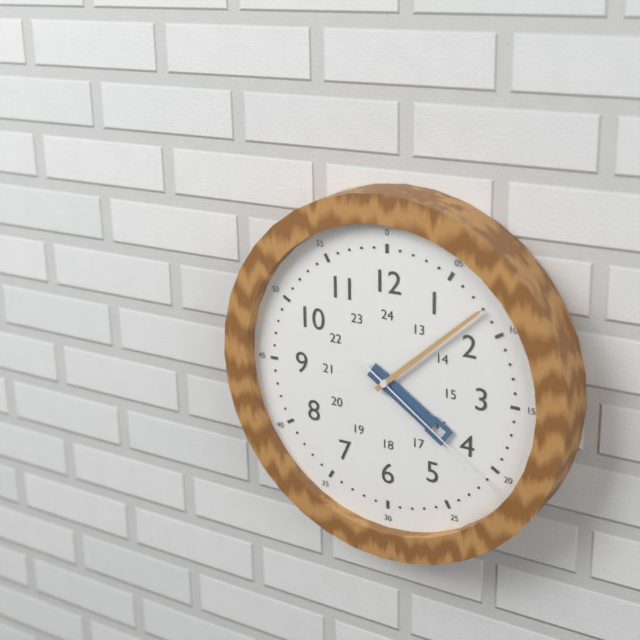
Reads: 4:08:21
